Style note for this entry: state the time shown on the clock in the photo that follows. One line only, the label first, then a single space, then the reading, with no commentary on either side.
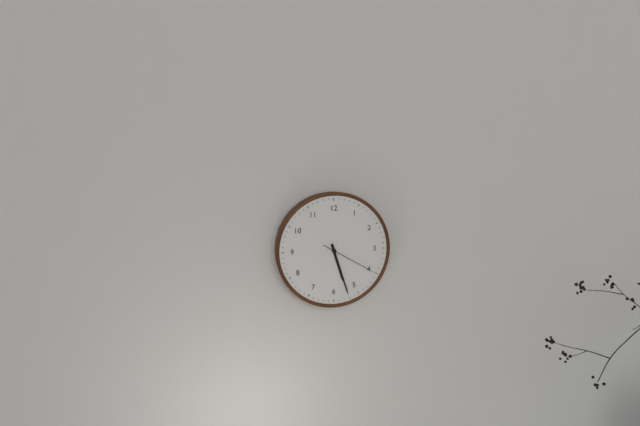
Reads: 5:27:20
